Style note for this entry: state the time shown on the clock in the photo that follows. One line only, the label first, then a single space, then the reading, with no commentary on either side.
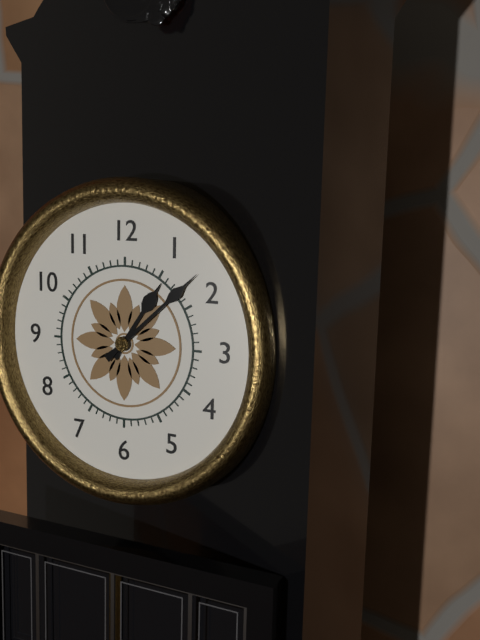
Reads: 1:08
